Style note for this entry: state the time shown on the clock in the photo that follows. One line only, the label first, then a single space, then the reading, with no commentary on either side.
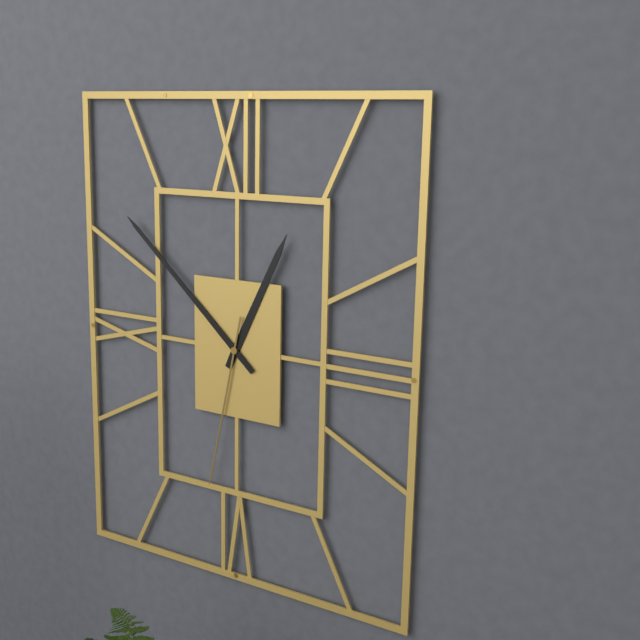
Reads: 12:52:32
